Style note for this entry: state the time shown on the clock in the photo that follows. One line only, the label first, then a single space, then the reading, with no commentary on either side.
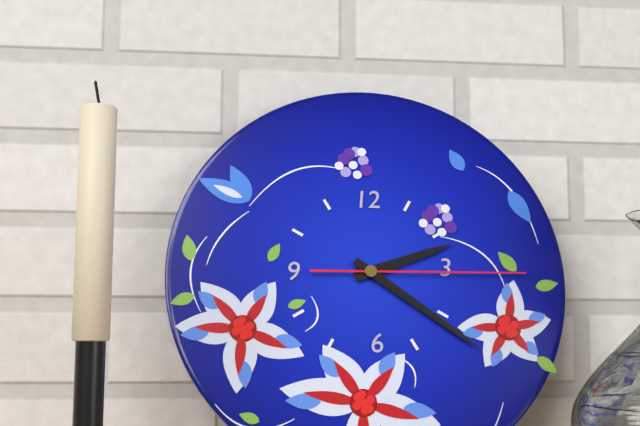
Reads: 2:21:15
